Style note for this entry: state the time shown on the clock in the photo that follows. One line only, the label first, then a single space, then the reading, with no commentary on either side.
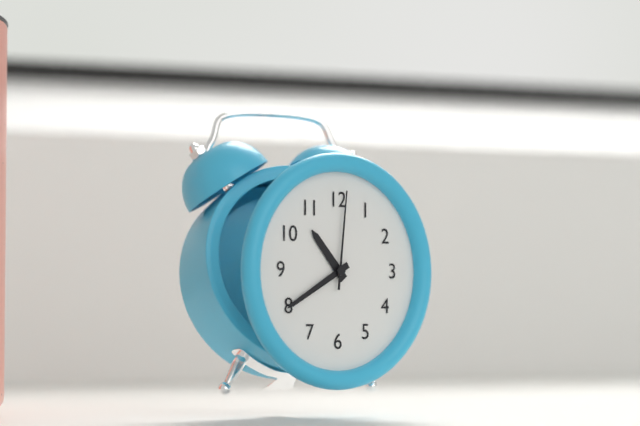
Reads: 10:40:01
